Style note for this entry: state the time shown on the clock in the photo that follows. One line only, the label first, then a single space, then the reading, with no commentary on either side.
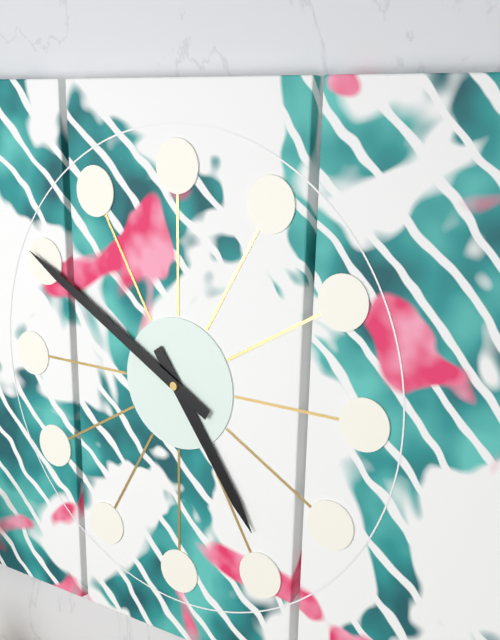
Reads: 4:50
